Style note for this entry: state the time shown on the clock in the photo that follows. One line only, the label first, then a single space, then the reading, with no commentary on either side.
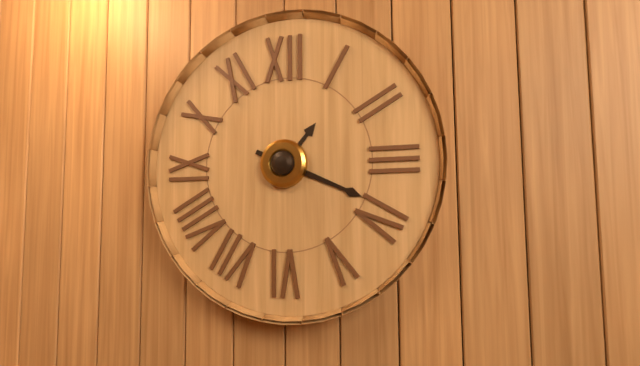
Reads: 1:19
